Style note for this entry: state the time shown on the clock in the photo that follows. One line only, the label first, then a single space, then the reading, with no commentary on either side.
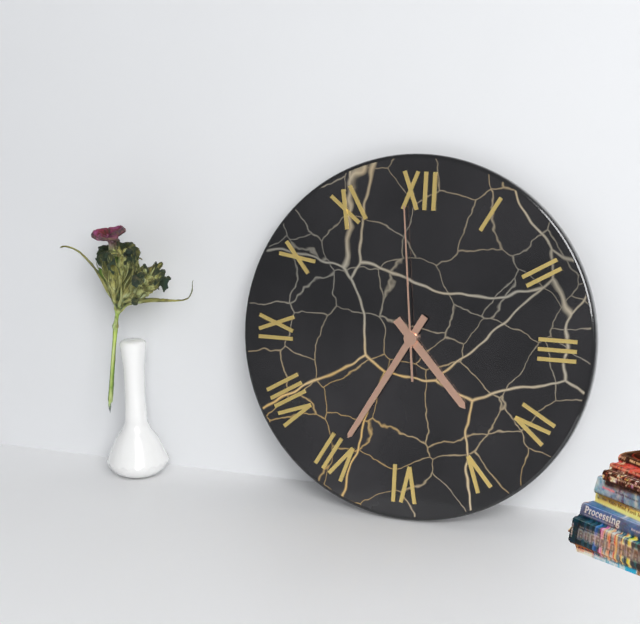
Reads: 4:35:59
